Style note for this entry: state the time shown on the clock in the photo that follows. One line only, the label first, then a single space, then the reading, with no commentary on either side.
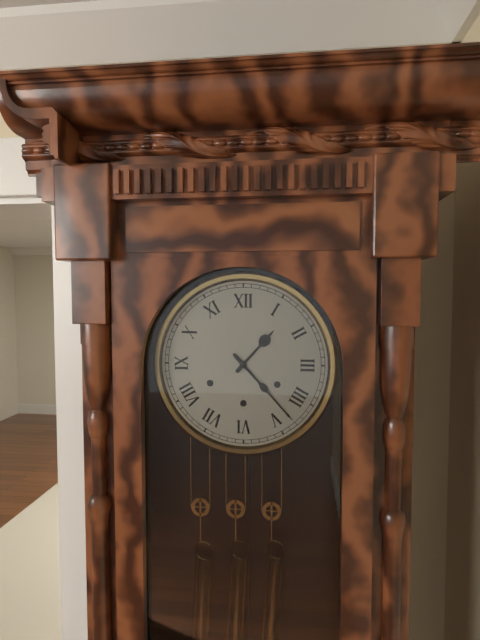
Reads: 1:23
